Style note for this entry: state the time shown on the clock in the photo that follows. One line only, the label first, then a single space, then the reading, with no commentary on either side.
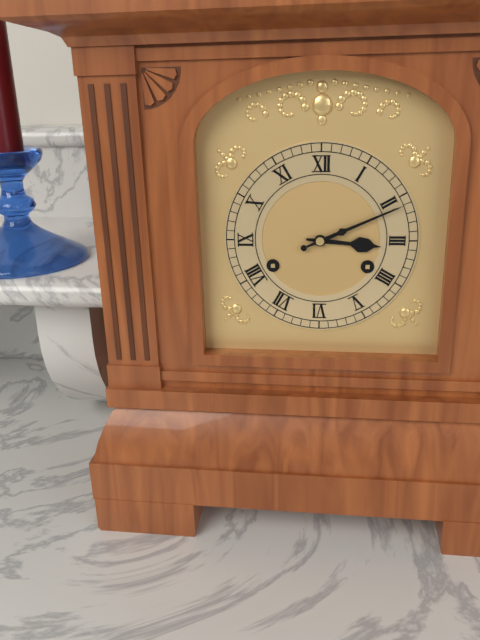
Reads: 3:11
